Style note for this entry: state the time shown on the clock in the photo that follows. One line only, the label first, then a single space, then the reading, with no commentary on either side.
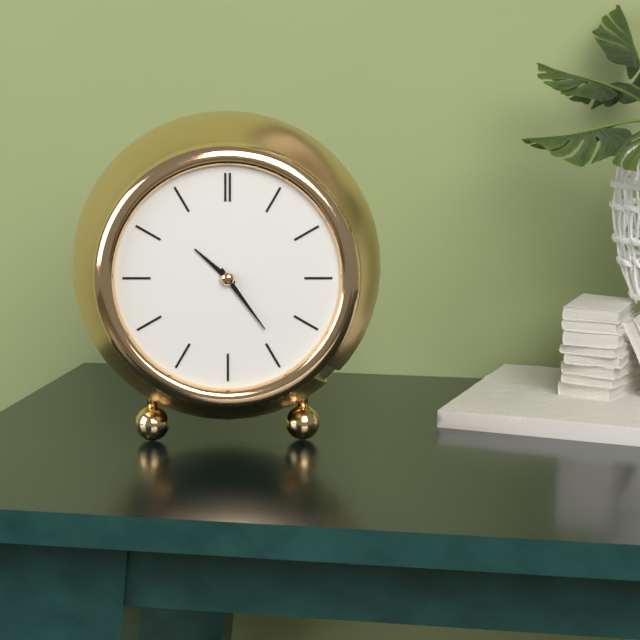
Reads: 10:24
